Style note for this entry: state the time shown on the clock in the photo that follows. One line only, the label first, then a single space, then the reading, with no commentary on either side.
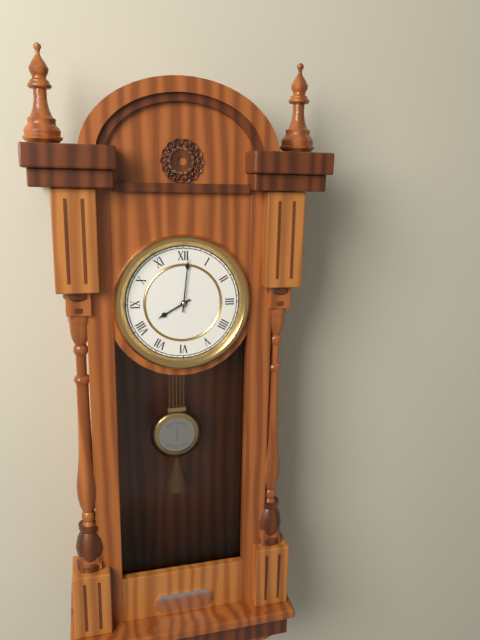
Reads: 8:01
